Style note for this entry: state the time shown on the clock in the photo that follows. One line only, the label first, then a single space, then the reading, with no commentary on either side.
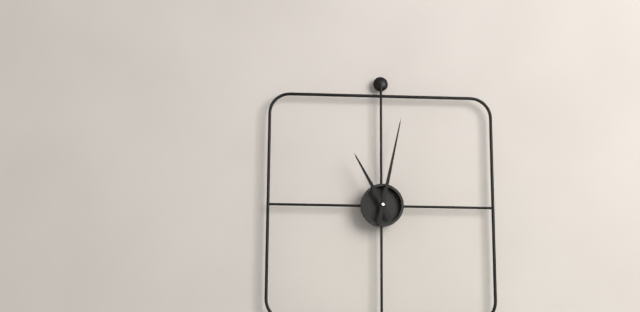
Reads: 11:02
